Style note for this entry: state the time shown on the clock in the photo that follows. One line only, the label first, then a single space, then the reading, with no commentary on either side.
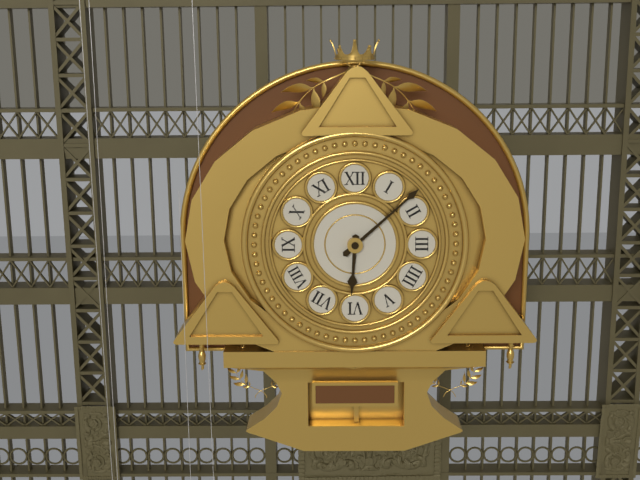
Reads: 6:08
